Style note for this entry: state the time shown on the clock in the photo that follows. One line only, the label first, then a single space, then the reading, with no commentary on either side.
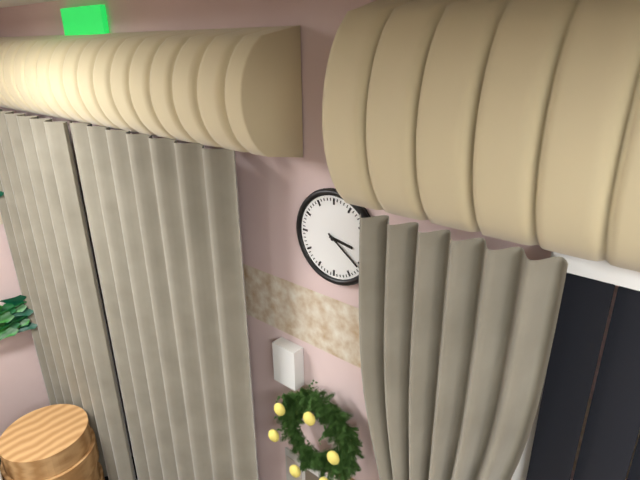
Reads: 3:21
